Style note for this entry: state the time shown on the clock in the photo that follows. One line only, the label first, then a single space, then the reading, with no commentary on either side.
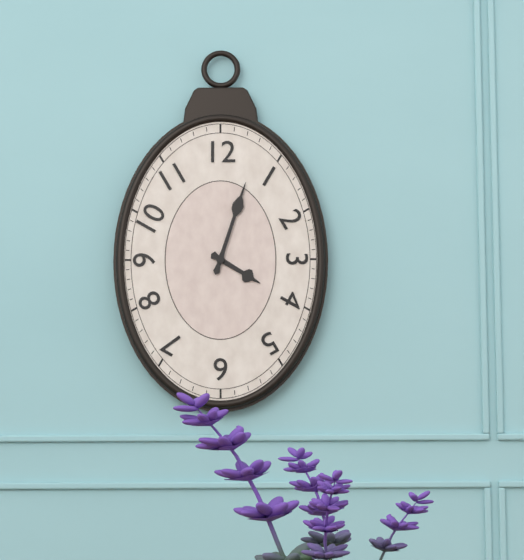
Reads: 4:03
